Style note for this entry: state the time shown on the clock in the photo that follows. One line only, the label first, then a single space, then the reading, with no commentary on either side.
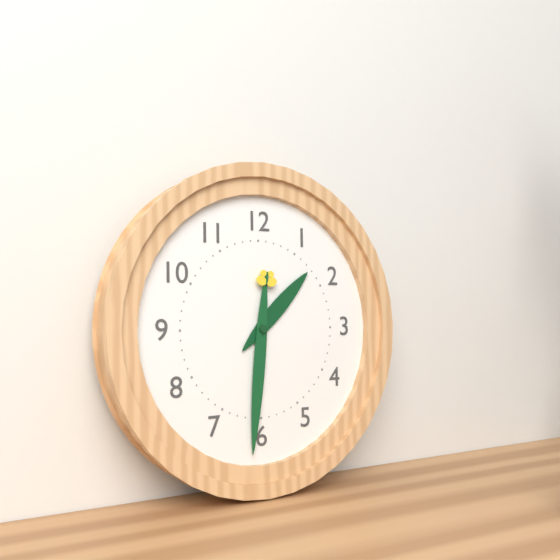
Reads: 1:31
